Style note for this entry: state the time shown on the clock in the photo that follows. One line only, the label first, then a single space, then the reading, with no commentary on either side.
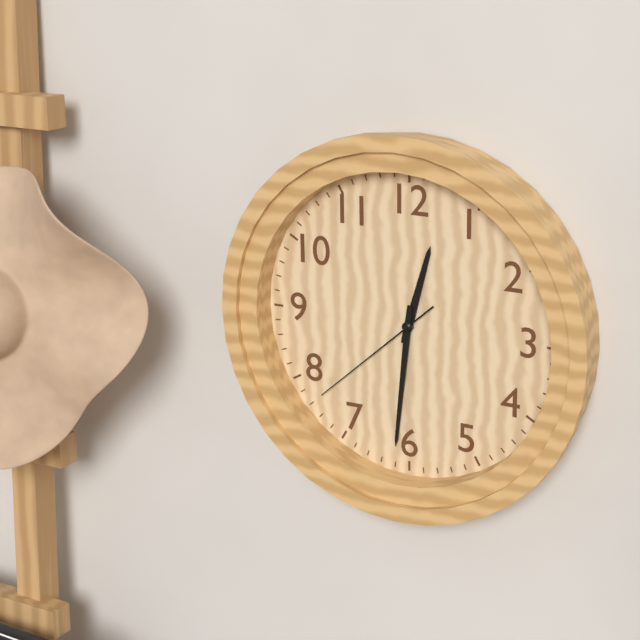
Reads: 12:31:38
